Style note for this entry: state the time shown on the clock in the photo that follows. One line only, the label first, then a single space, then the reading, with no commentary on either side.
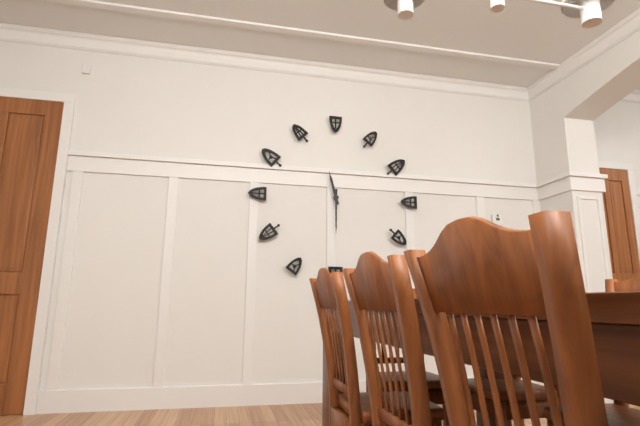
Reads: 11:30
